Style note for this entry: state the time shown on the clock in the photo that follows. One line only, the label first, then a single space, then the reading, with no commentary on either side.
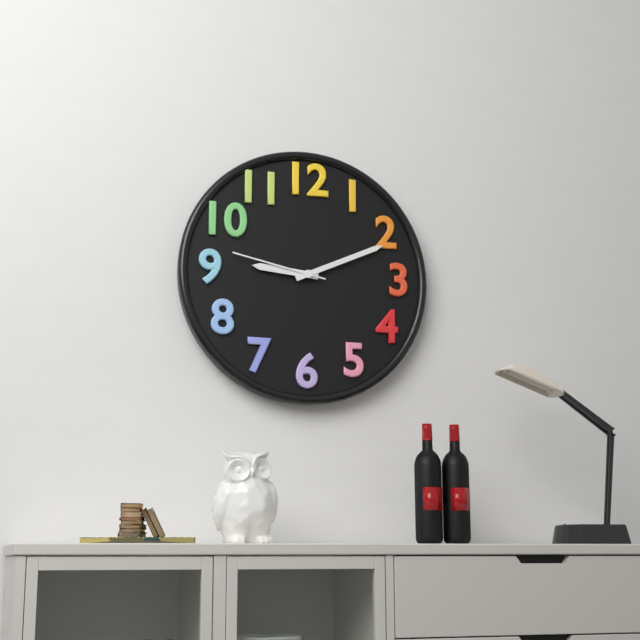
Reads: 9:11:47
